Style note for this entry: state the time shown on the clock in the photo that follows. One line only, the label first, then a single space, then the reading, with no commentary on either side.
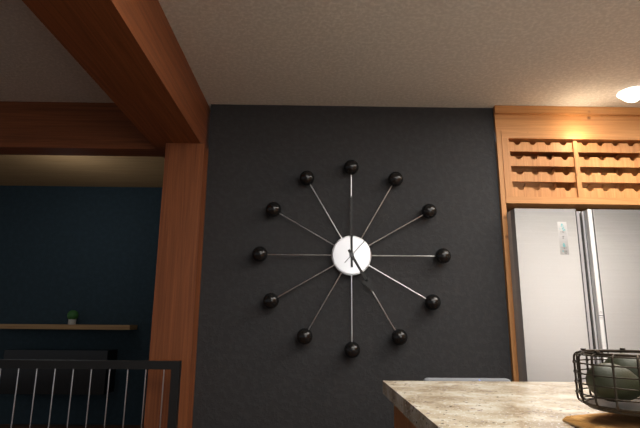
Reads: 5:00:07
